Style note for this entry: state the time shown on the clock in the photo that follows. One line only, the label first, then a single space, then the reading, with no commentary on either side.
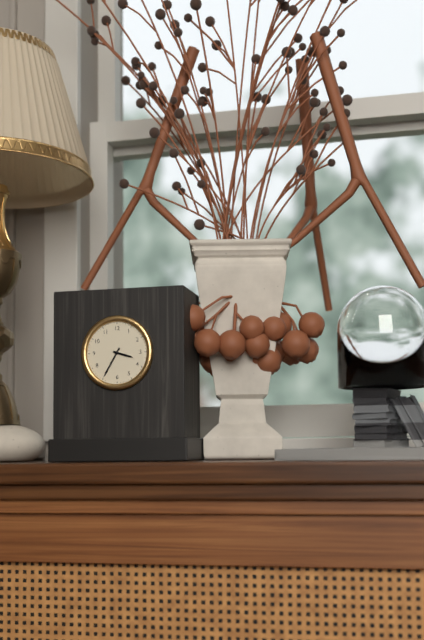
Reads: 3:35
